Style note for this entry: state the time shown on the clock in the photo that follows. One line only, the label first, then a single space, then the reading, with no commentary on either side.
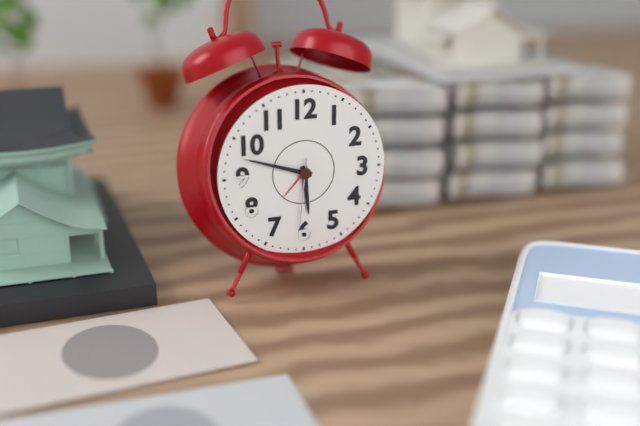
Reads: 5:48:31
